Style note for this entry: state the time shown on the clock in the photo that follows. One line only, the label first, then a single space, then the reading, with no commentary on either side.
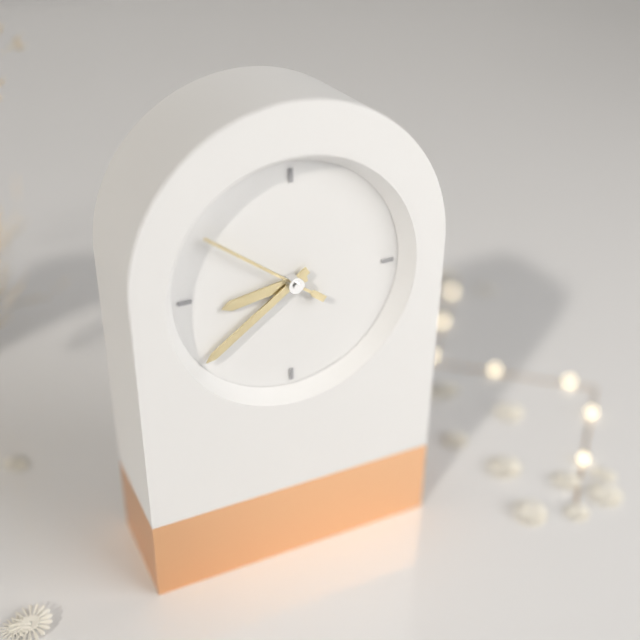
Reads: 8:39:51
